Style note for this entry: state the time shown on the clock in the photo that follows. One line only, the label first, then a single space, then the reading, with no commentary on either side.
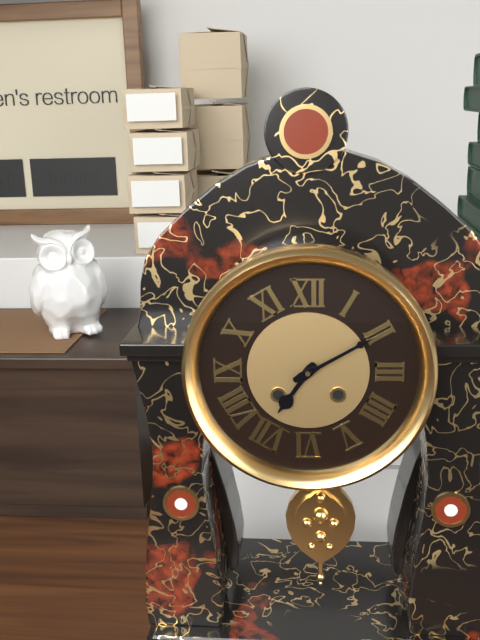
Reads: 7:10
